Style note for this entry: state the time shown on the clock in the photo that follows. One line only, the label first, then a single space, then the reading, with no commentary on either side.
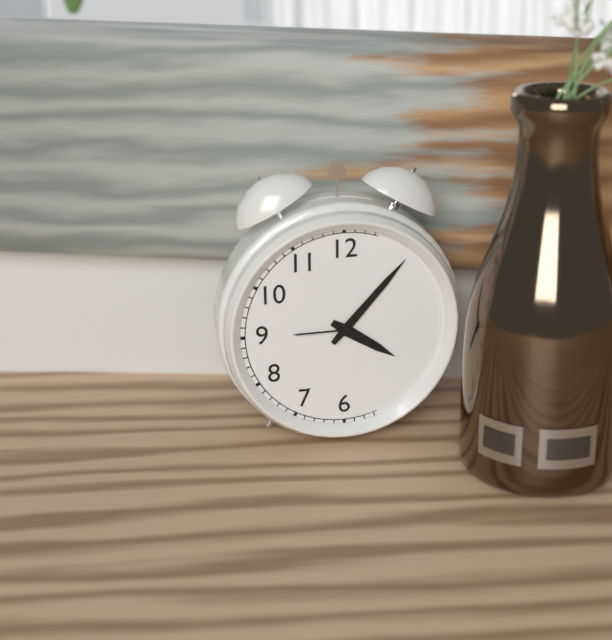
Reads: 4:07
